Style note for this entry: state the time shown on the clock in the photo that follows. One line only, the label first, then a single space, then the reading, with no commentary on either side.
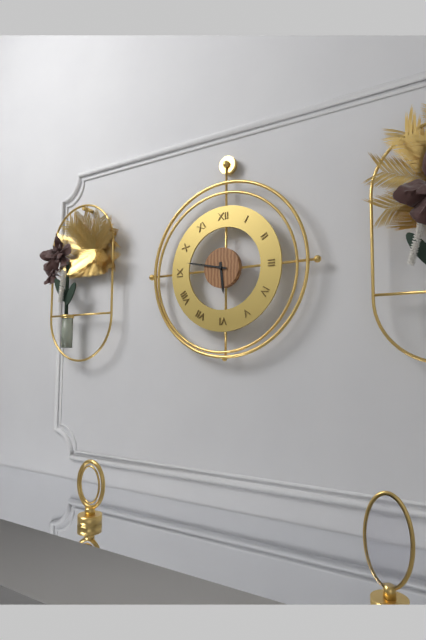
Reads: 5:47
